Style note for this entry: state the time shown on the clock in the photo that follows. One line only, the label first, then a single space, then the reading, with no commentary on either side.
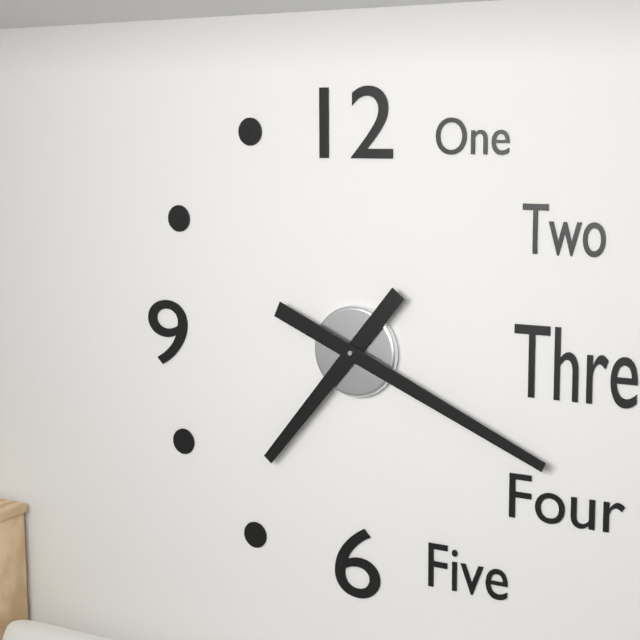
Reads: 7:19
